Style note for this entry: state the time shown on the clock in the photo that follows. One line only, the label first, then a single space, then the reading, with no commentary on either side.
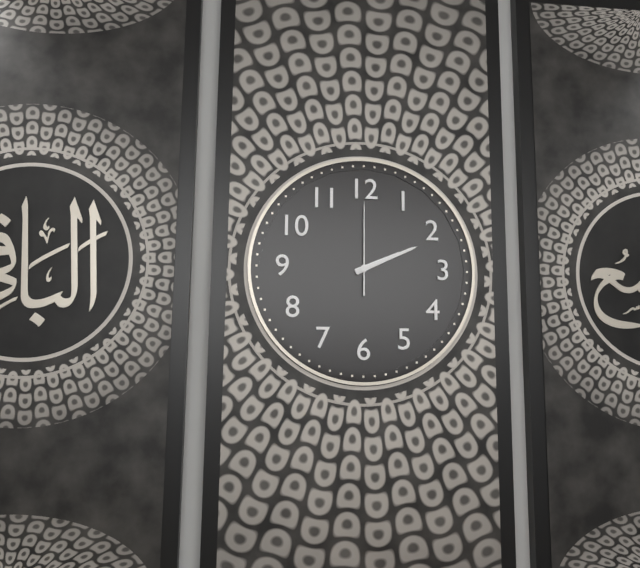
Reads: 2:11:00
